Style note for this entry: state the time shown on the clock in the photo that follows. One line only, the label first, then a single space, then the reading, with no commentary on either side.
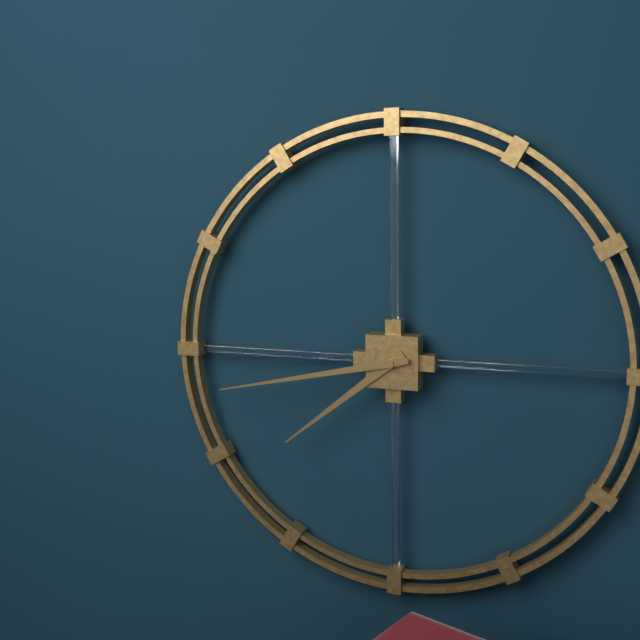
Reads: 7:43
